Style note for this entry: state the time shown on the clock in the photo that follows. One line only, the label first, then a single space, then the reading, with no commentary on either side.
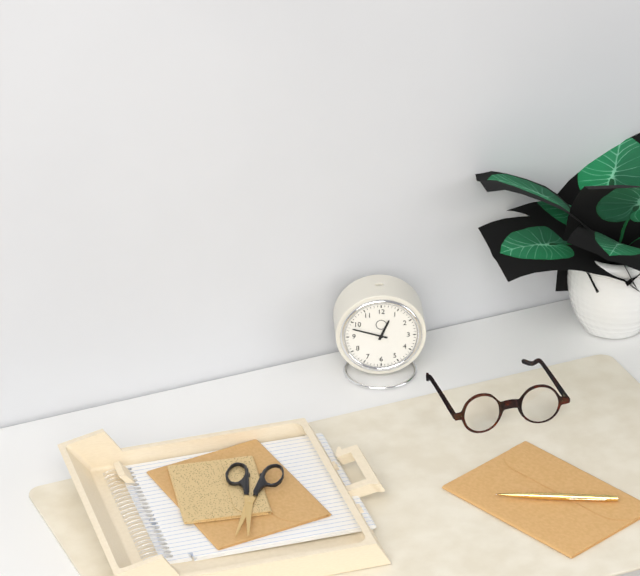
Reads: 12:48
